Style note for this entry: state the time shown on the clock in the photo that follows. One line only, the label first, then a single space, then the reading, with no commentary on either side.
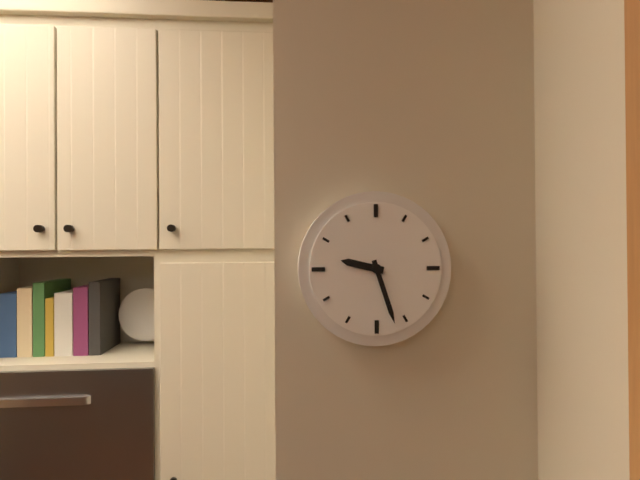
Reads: 9:27
